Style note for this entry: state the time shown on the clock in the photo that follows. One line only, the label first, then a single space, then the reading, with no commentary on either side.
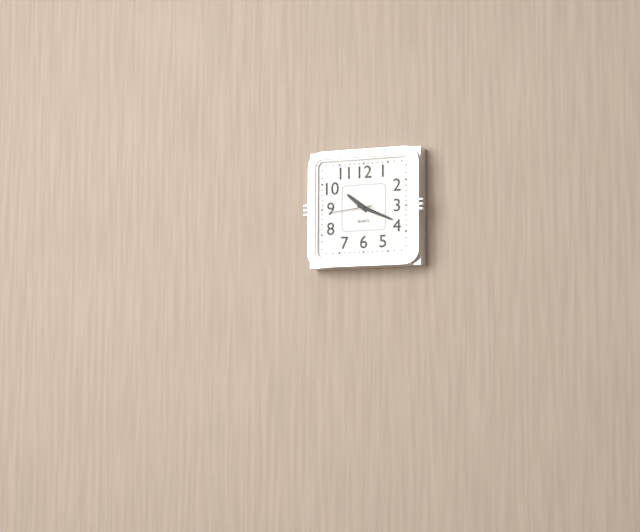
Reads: 10:19:44
